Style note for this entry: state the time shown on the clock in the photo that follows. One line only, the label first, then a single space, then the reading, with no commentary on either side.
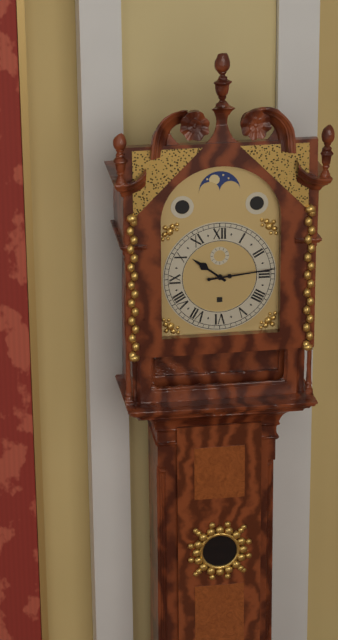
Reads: 10:14
